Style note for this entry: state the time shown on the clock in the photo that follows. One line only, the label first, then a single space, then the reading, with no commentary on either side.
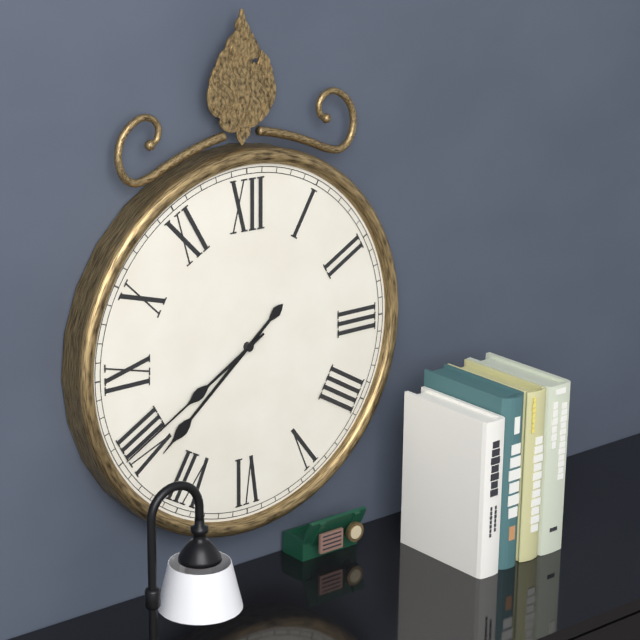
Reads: 7:40
